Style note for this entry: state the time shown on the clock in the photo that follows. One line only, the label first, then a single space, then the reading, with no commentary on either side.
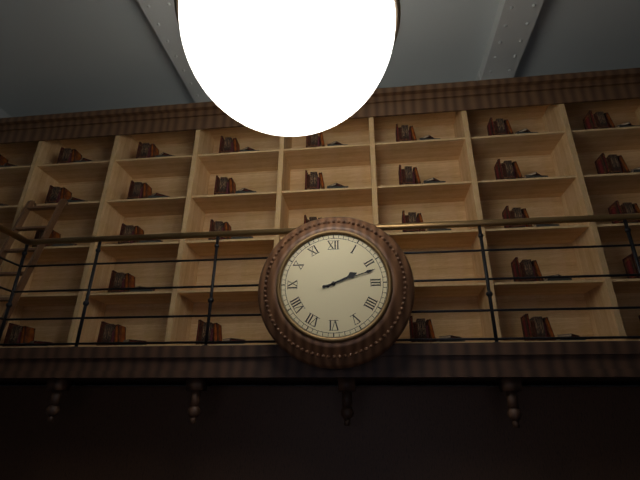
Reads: 2:12
